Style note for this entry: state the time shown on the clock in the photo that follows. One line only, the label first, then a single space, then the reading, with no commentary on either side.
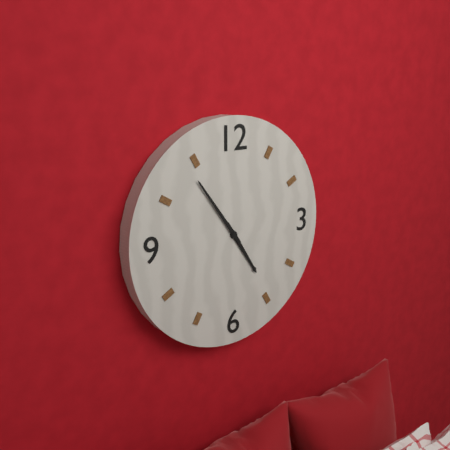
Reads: 4:54
